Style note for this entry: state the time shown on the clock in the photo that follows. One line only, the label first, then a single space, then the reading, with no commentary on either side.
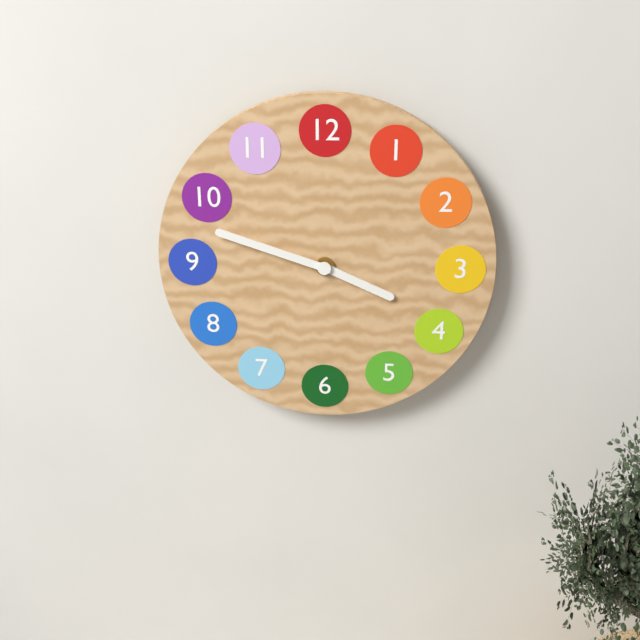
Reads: 3:48
